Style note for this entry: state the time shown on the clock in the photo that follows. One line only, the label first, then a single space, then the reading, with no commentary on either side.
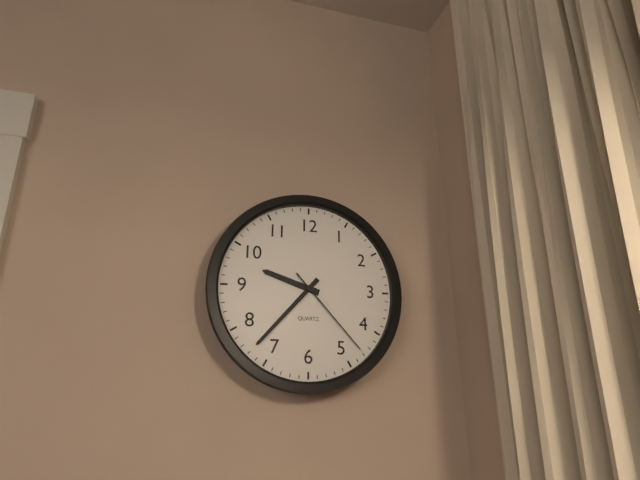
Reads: 9:37:23
